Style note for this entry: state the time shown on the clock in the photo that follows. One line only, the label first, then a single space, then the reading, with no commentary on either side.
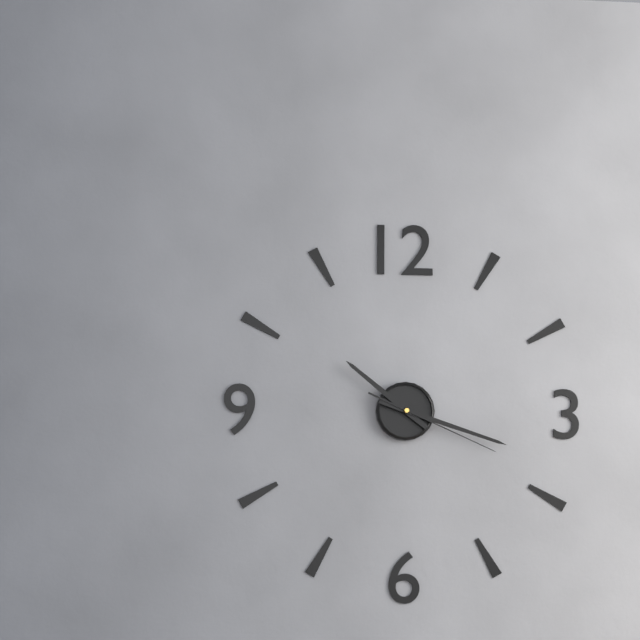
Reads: 10:18:19
